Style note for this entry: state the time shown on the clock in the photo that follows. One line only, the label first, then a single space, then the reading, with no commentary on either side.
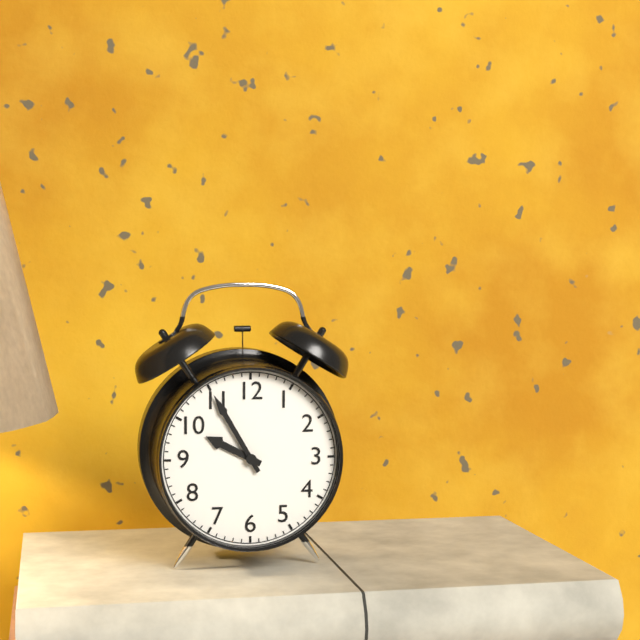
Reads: 9:55
